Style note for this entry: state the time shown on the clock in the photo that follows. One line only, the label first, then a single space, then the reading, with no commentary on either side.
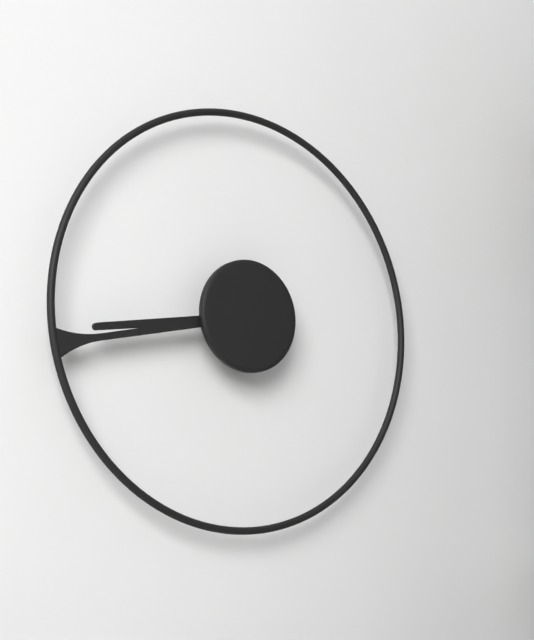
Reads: 8:43
